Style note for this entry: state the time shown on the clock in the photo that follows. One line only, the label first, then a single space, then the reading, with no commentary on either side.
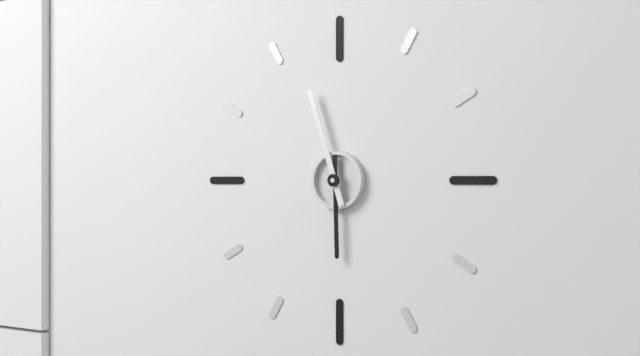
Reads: 5:57
